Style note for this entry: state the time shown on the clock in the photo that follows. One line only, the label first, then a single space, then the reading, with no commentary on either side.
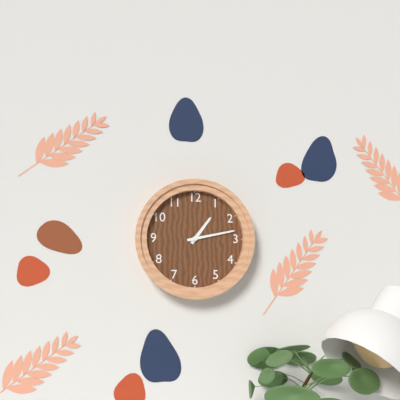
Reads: 1:13
